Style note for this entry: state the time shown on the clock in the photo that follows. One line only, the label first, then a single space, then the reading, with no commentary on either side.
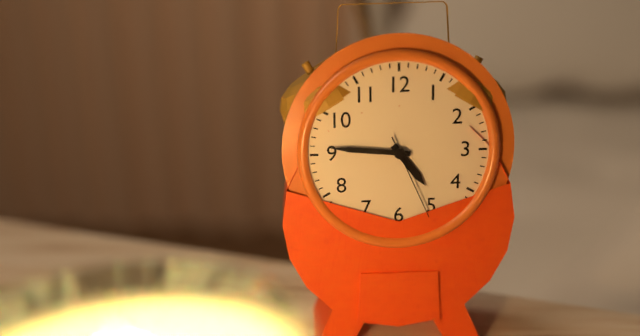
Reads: 4:46:26
